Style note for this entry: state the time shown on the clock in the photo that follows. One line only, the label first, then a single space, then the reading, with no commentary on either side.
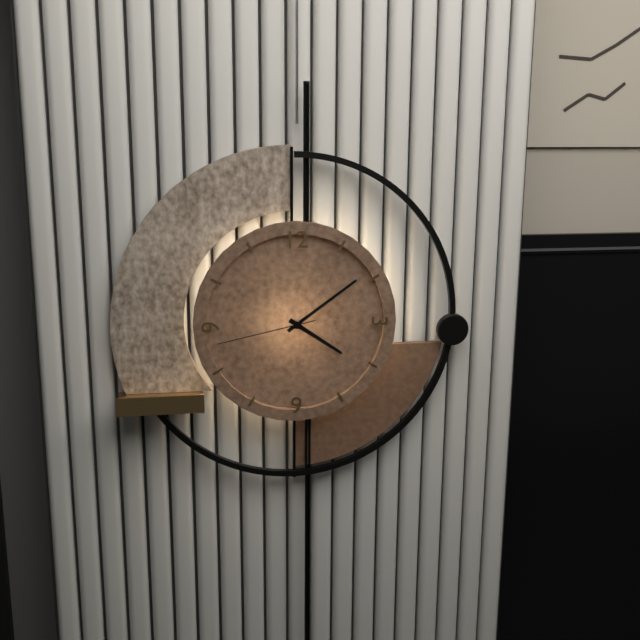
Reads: 4:09:43
